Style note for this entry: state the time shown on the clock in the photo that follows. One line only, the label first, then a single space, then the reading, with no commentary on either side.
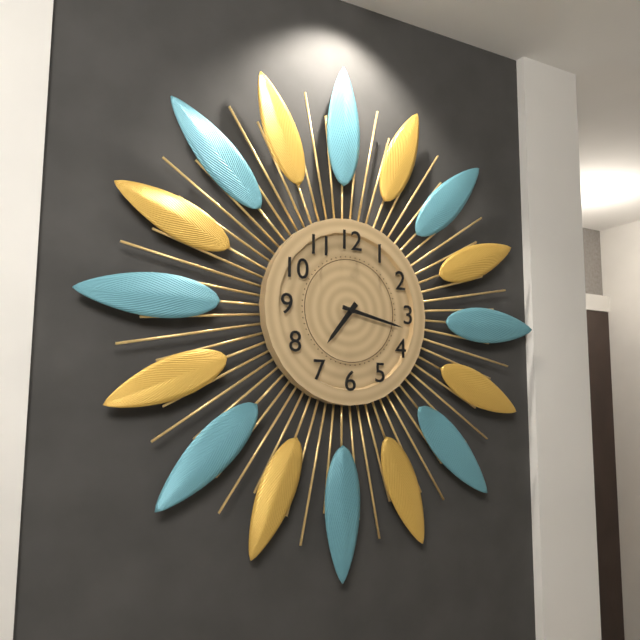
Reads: 7:17
